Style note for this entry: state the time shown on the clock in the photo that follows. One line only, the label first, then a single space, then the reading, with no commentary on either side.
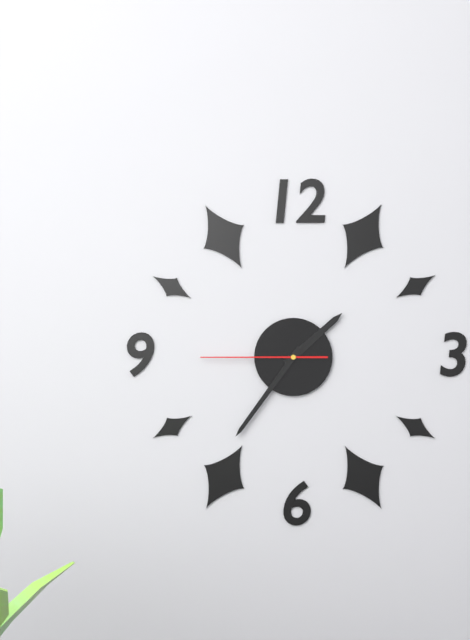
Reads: 1:36:45
